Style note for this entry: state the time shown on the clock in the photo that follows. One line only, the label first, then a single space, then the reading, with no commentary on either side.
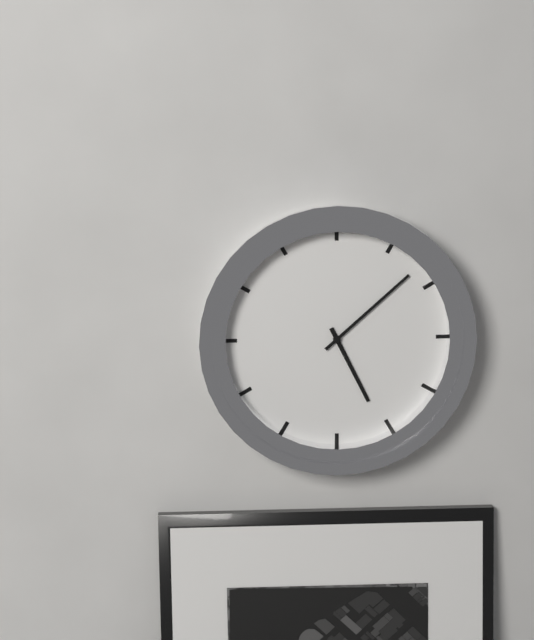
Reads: 5:08
